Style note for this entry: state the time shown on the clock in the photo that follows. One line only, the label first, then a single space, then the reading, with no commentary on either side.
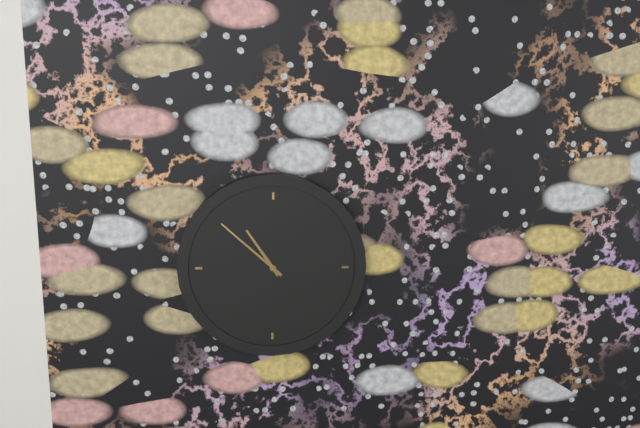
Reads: 10:52
